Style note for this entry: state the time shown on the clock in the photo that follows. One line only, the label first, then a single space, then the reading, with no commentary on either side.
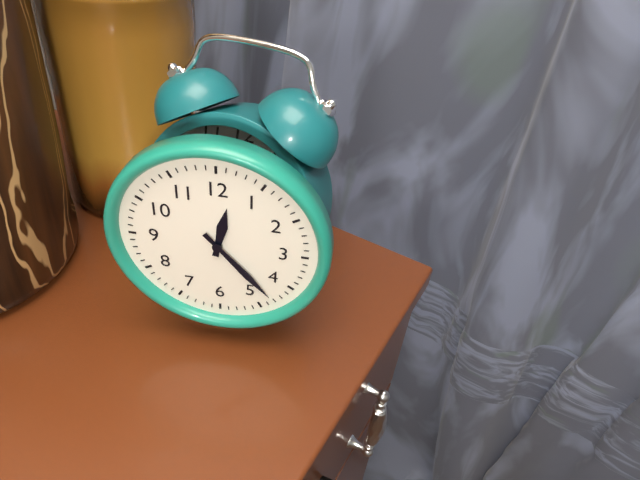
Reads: 12:23
